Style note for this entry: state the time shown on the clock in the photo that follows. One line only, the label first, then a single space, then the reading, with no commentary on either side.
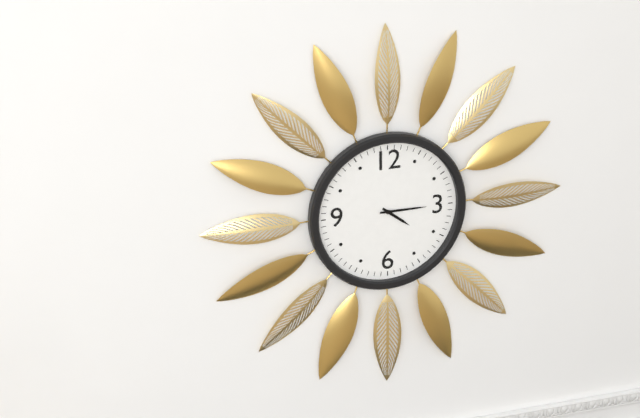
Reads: 4:15
